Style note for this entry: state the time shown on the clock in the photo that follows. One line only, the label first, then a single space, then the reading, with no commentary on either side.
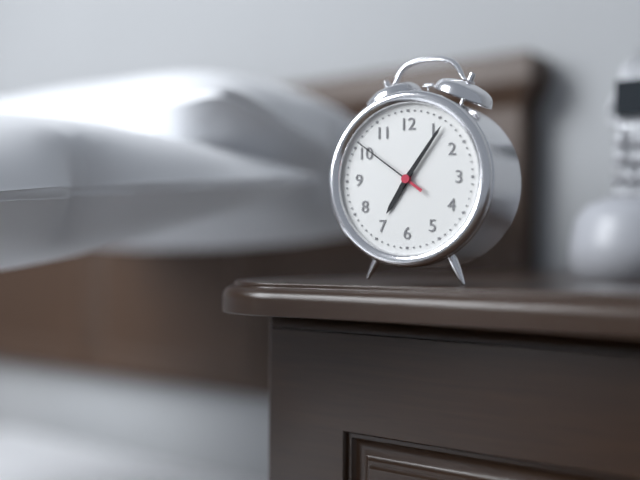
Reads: 7:06:51
